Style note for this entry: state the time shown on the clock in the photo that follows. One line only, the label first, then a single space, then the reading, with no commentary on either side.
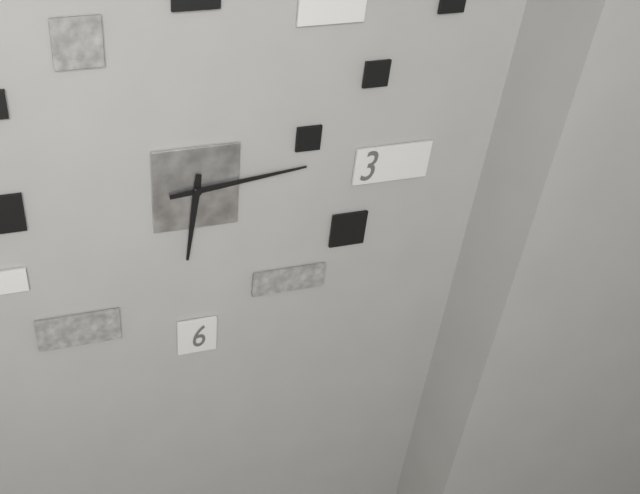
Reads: 6:14
